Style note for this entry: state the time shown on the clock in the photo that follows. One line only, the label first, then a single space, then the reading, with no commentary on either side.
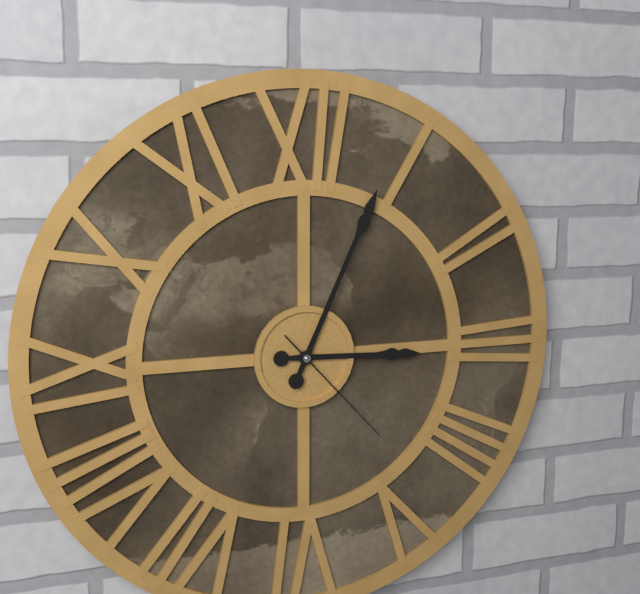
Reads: 3:04:23
